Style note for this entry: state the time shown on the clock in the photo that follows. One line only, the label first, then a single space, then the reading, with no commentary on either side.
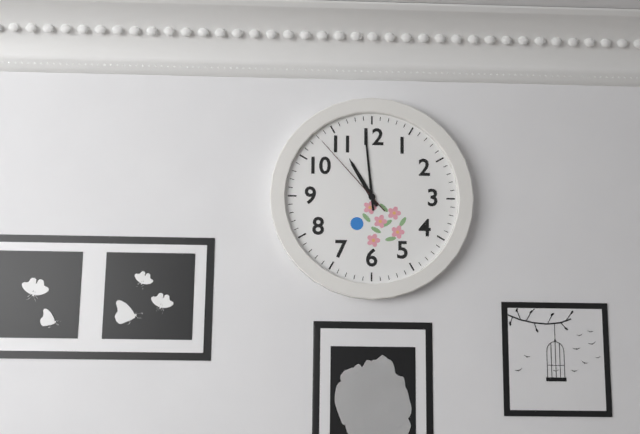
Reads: 10:59:53
